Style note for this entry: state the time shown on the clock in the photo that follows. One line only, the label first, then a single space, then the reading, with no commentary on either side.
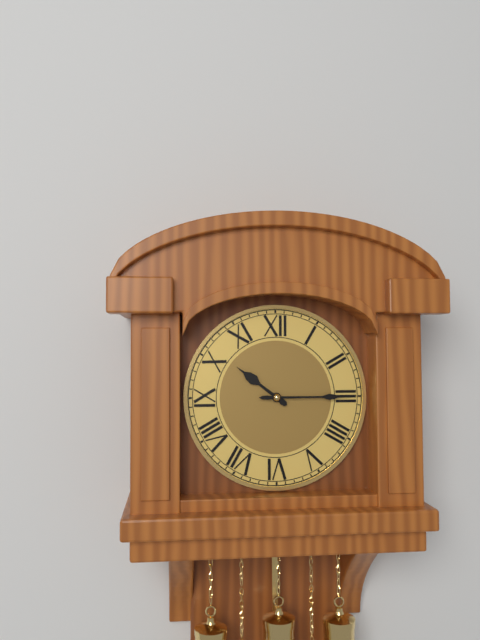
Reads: 10:15
